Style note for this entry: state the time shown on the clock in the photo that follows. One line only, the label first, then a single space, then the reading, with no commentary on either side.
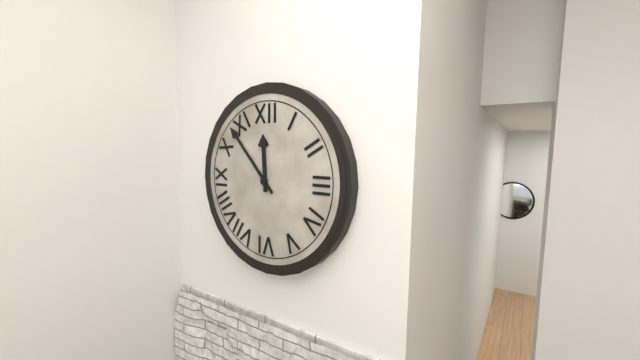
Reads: 11:53
